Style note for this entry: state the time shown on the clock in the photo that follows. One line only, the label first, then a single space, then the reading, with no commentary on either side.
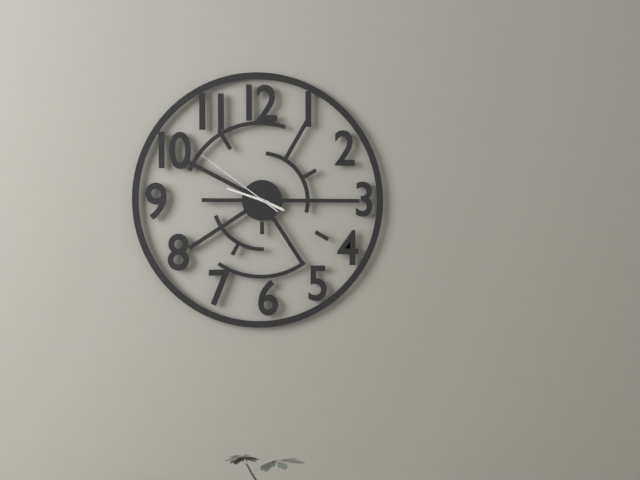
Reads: 3:48:51
